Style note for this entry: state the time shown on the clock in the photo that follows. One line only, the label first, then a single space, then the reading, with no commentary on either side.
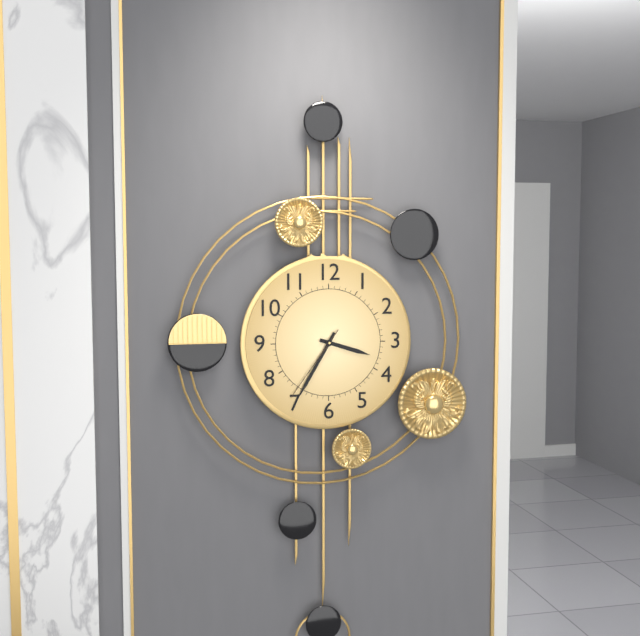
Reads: 3:35:36
